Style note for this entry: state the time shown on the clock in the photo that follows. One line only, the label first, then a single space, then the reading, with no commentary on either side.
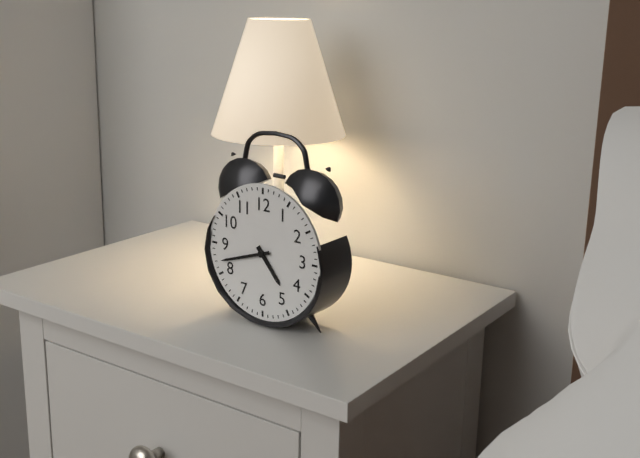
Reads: 4:42
